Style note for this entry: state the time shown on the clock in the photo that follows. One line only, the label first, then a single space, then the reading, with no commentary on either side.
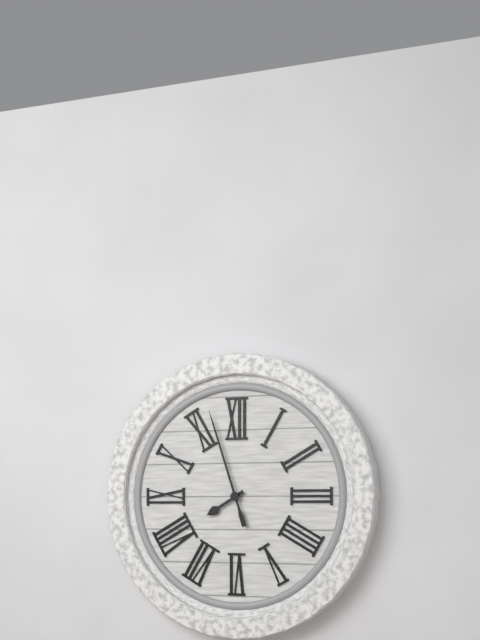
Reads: 7:57
